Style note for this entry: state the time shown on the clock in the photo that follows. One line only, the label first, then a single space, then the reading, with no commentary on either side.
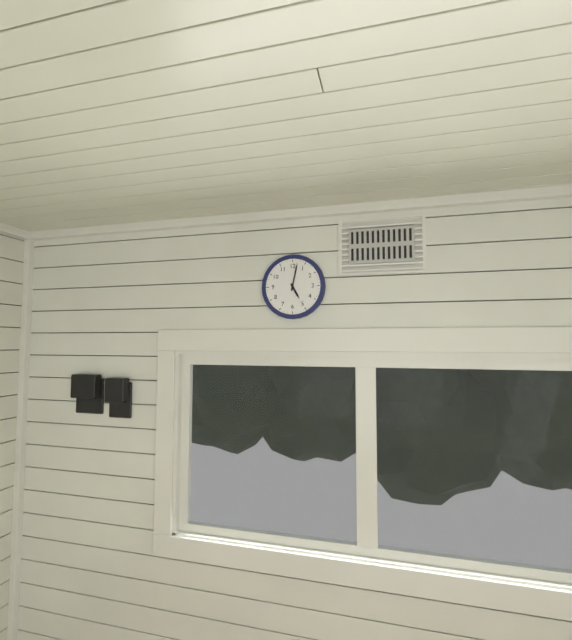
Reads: 5:02
